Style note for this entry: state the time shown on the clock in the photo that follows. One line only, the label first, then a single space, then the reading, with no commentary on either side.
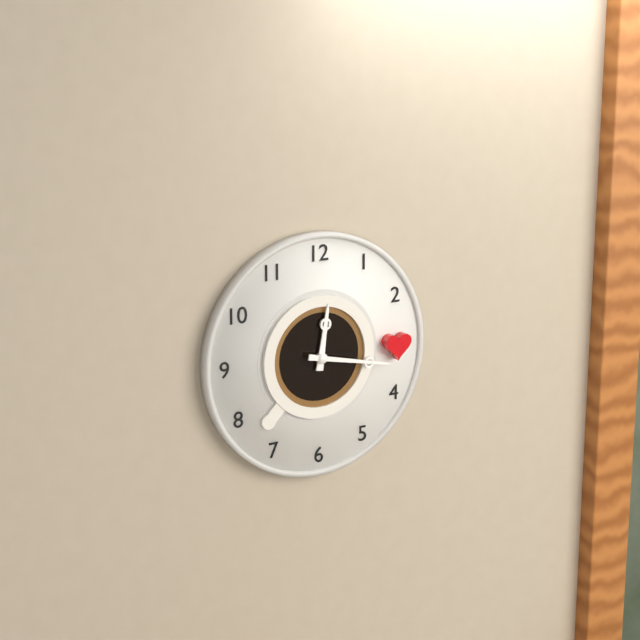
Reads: 12:17
